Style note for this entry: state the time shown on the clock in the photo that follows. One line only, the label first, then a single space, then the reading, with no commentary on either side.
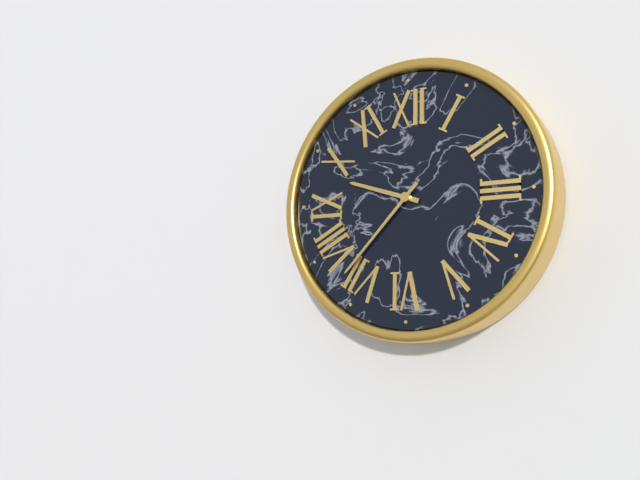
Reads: 9:37
